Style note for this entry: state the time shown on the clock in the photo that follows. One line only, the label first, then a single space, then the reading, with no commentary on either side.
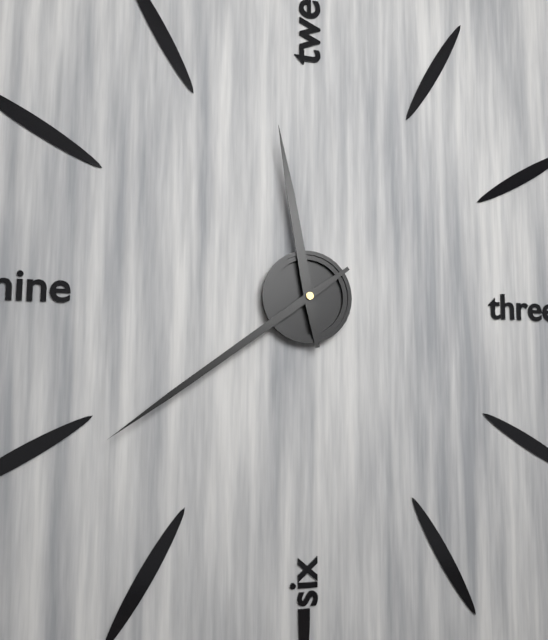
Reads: 11:39
